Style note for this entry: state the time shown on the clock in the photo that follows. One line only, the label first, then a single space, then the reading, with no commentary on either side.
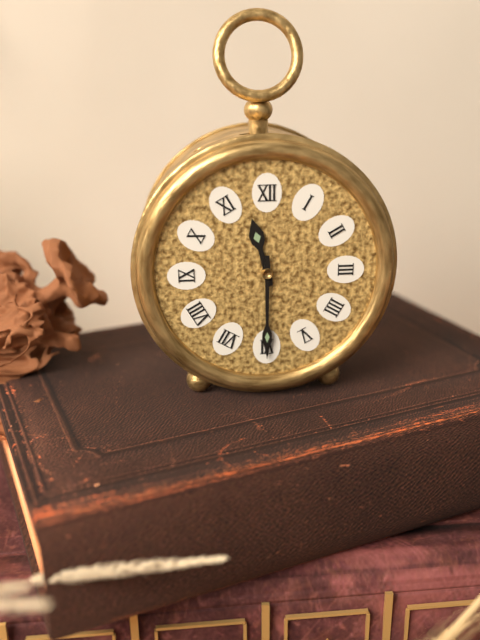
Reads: 11:30
